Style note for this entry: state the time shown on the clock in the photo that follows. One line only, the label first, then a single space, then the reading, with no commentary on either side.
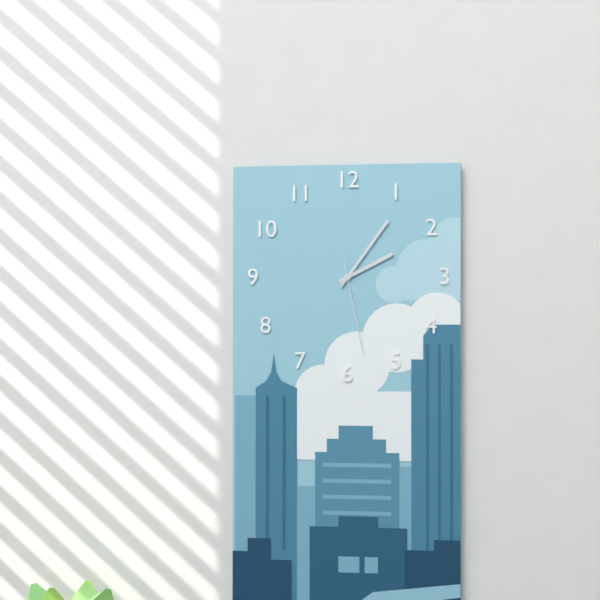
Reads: 2:06:28
